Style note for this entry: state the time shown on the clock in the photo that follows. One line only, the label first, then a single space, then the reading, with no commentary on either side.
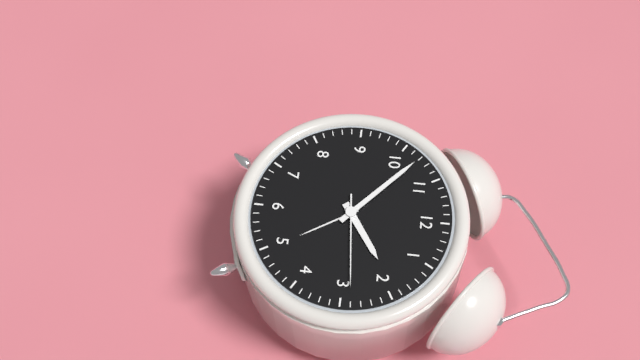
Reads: 1:52:14
